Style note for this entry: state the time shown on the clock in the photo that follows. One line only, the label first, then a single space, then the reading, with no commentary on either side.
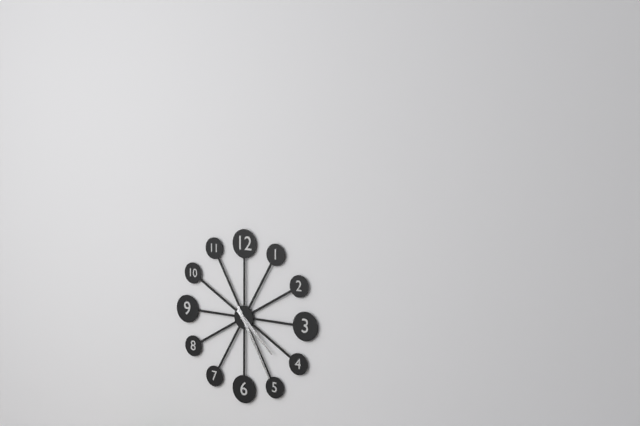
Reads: 4:25
